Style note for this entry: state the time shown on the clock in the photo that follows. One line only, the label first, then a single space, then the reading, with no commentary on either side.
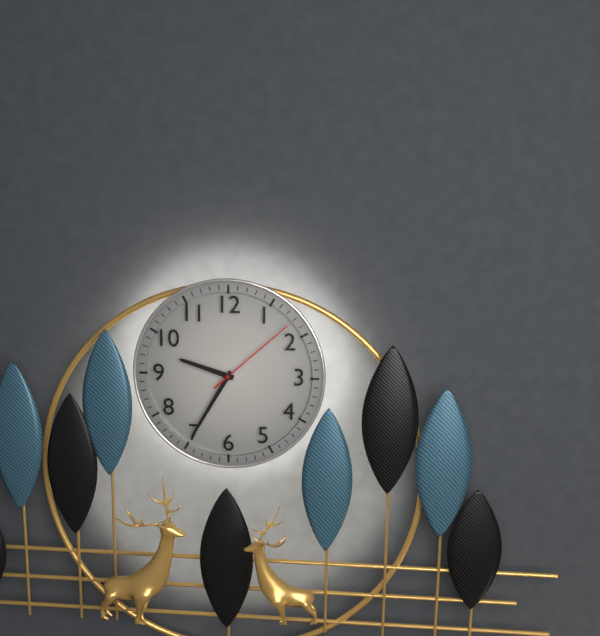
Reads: 9:35:08
